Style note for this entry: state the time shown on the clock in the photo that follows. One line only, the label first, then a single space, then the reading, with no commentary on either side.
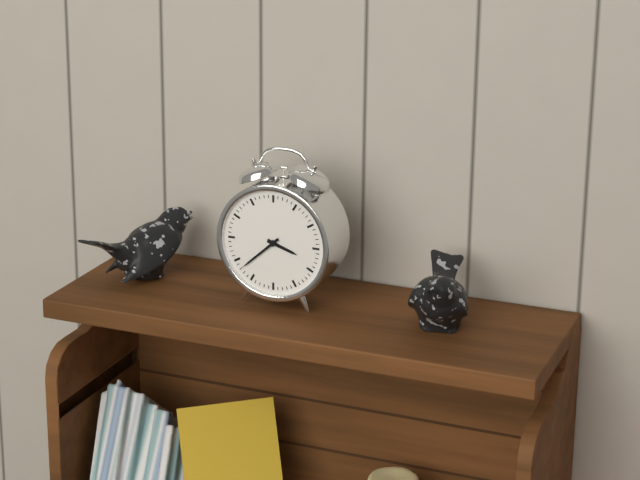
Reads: 3:38
